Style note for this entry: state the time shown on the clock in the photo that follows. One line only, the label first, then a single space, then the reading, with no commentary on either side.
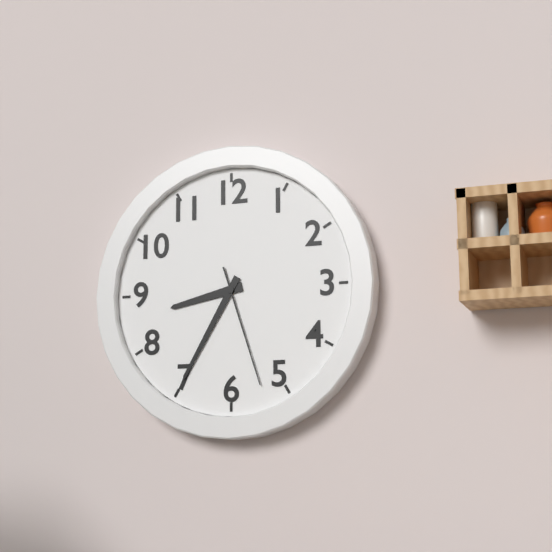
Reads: 8:35:27
